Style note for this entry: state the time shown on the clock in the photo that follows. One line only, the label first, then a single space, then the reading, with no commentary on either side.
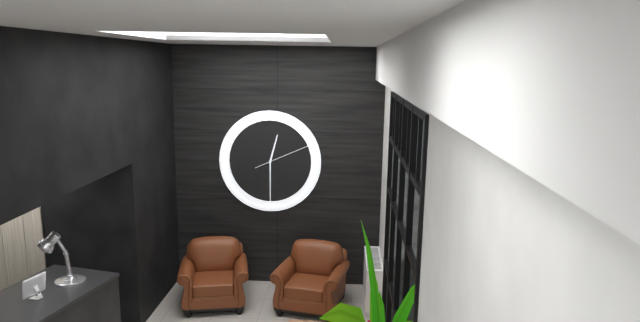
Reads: 12:30:11
